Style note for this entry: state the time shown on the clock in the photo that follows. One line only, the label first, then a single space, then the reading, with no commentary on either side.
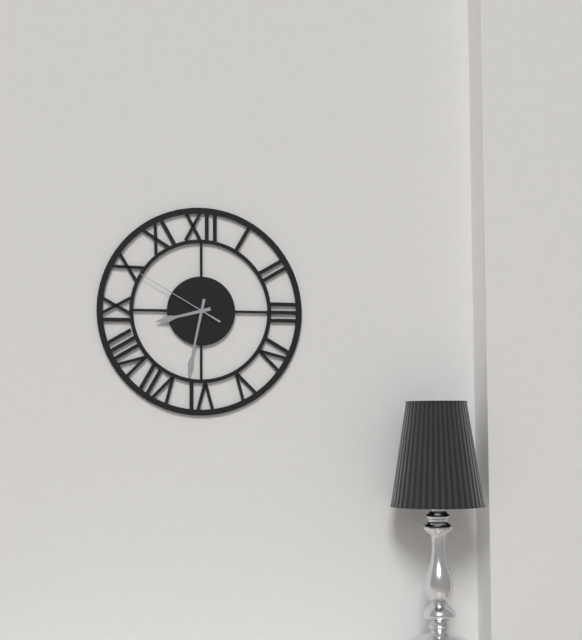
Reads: 8:32:50
